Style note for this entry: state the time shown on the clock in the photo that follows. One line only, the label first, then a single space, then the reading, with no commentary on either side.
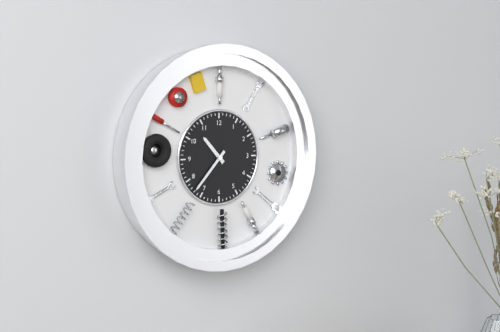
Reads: 10:37
